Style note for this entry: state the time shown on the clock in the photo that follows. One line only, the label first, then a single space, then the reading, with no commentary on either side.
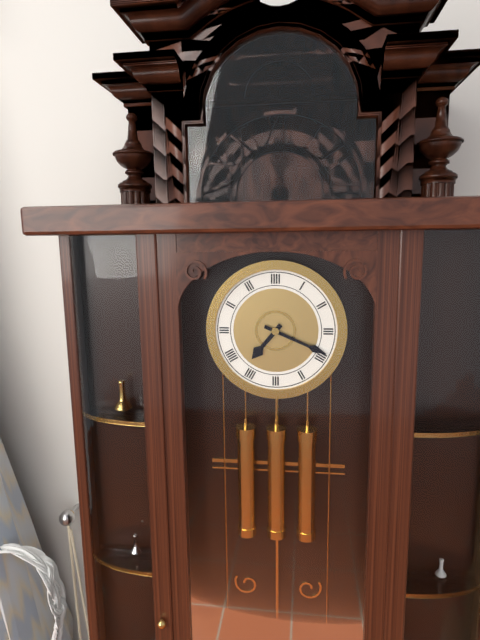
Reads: 7:19
